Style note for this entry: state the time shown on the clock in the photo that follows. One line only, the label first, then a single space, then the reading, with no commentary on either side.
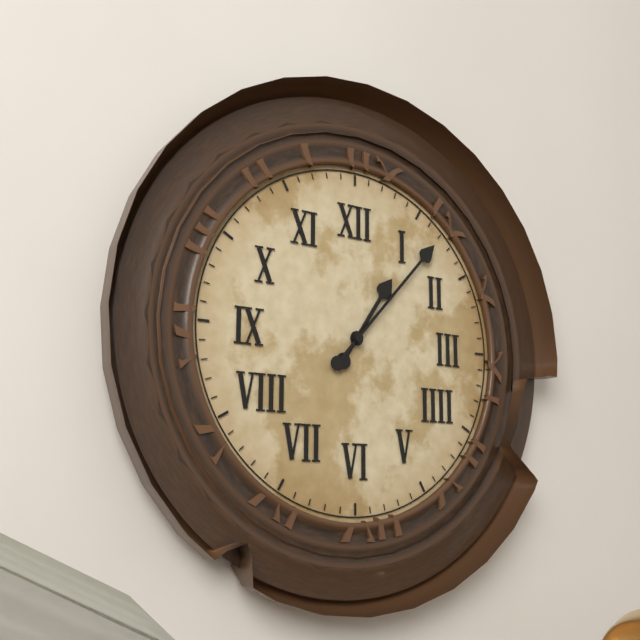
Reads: 1:07
